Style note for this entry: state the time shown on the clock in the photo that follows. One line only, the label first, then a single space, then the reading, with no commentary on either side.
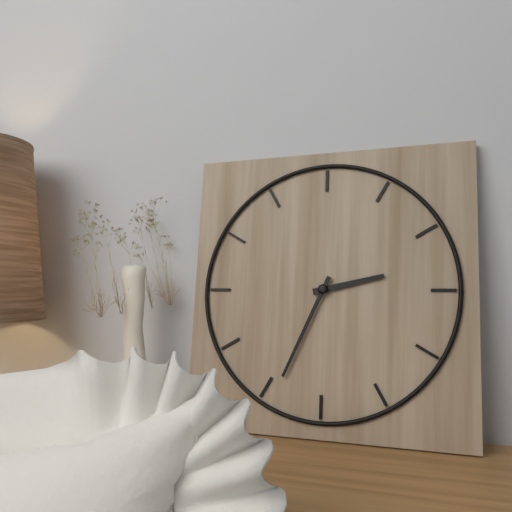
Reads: 2:34
